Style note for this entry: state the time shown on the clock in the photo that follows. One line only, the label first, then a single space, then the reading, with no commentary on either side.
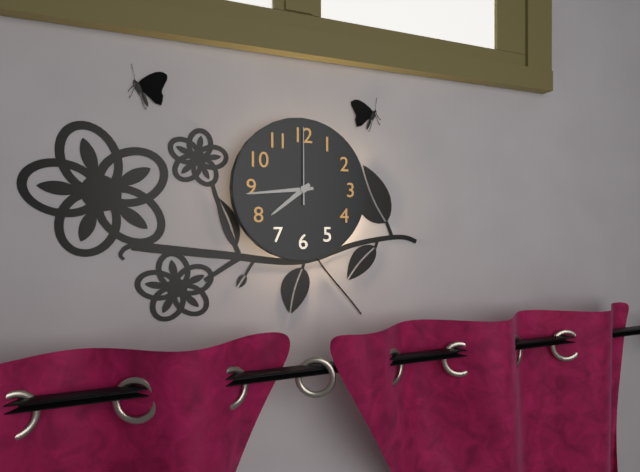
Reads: 7:44:00
